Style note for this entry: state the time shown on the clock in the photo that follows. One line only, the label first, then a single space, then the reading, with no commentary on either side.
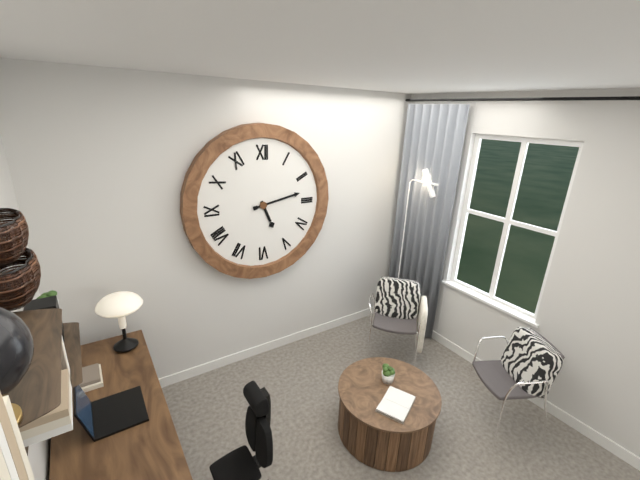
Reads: 5:13
